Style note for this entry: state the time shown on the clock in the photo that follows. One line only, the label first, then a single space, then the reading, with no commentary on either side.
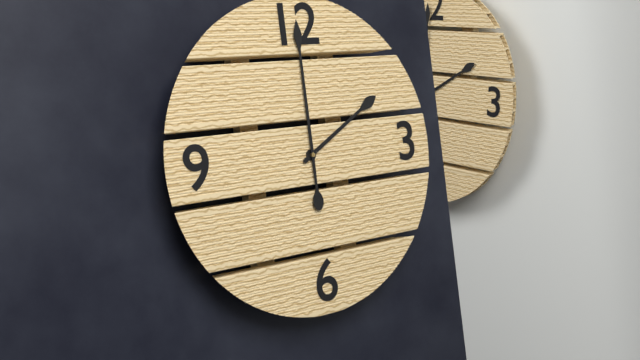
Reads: 2:00
